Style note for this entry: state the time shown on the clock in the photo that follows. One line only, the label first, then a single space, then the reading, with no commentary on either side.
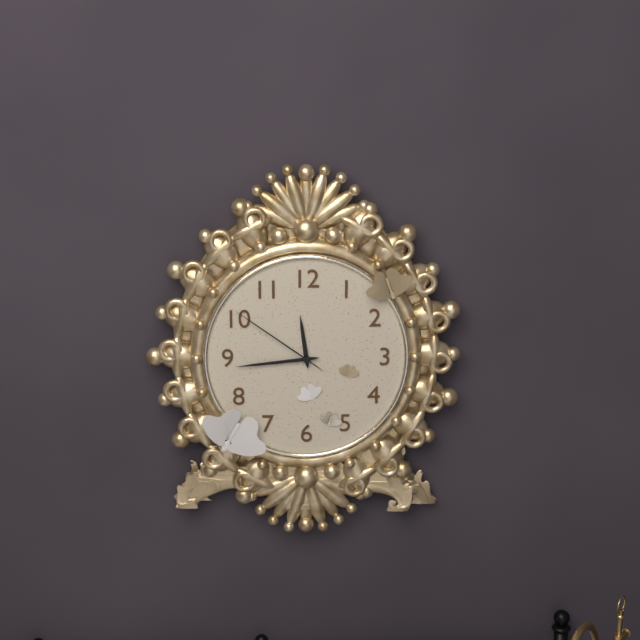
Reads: 11:44:51
